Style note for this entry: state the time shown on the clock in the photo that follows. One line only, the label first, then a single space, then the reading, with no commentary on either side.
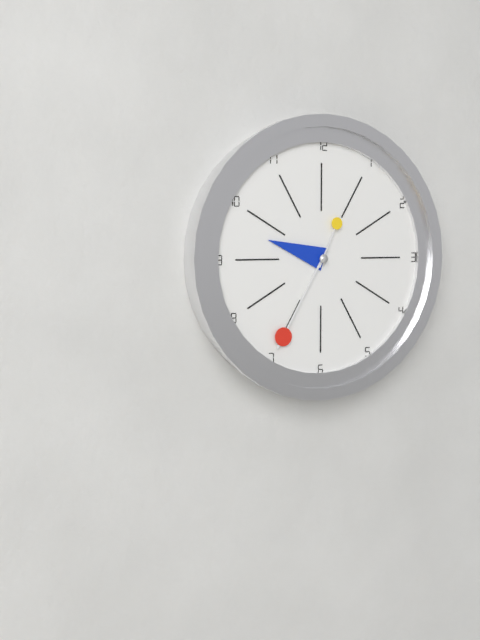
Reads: 9:35:04
